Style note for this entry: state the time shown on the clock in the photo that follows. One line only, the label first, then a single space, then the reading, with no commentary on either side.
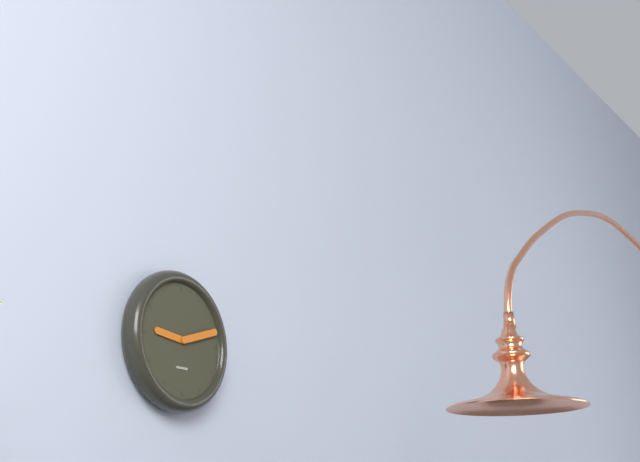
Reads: 9:12
